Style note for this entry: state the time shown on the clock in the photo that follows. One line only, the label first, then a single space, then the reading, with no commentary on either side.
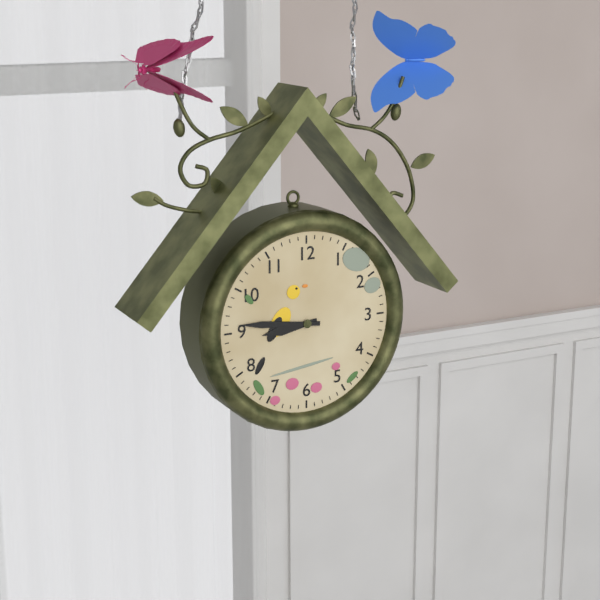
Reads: 8:46
